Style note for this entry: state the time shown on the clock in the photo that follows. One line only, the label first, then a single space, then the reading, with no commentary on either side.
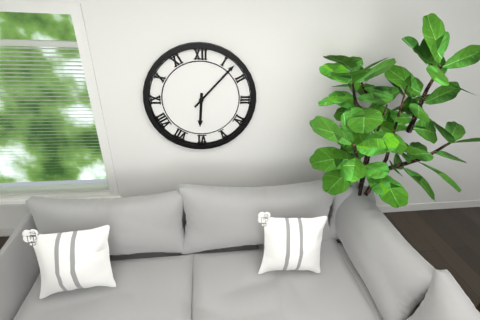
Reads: 6:07
